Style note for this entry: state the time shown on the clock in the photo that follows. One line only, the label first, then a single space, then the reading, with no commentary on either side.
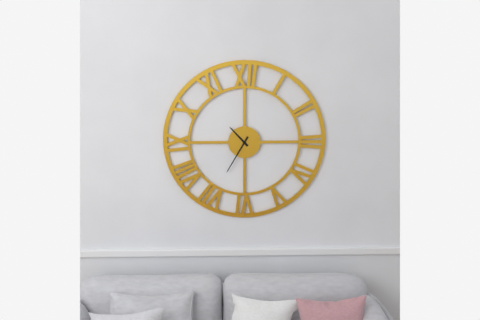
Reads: 10:35
